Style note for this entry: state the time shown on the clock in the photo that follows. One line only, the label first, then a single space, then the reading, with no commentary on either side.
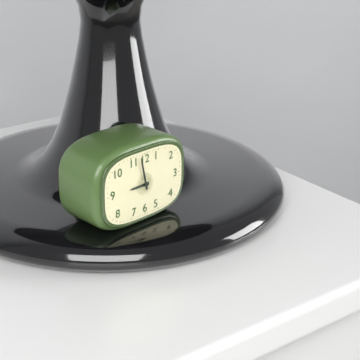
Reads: 8:58
